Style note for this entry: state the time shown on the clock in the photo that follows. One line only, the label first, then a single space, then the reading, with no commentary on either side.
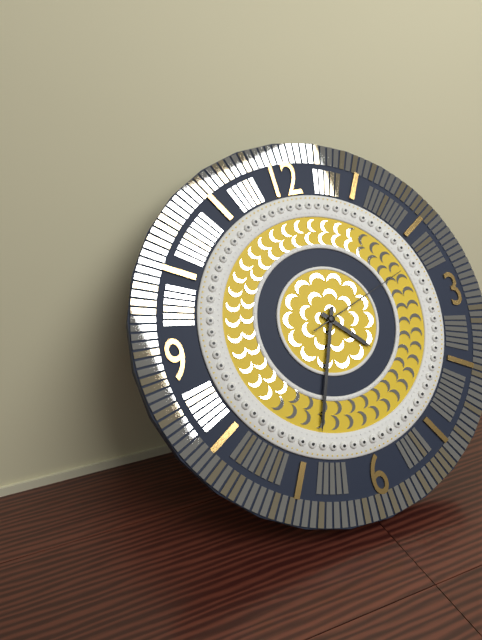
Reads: 4:34:12
